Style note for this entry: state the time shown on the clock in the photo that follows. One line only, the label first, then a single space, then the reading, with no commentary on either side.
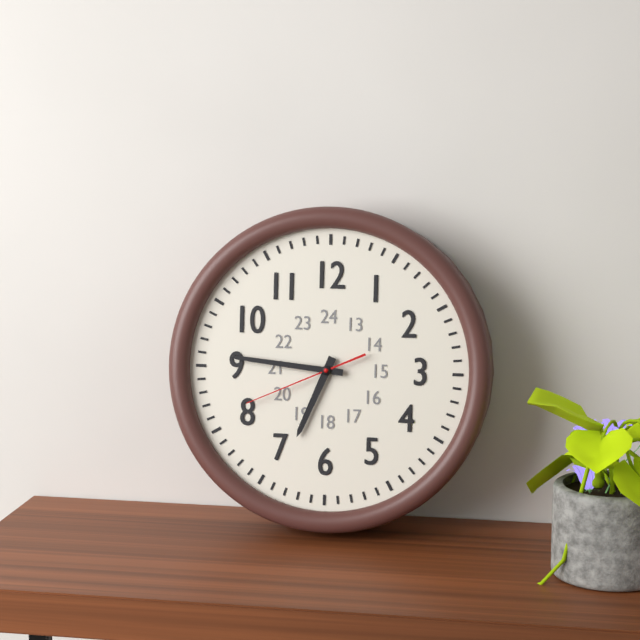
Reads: 6:46:41
